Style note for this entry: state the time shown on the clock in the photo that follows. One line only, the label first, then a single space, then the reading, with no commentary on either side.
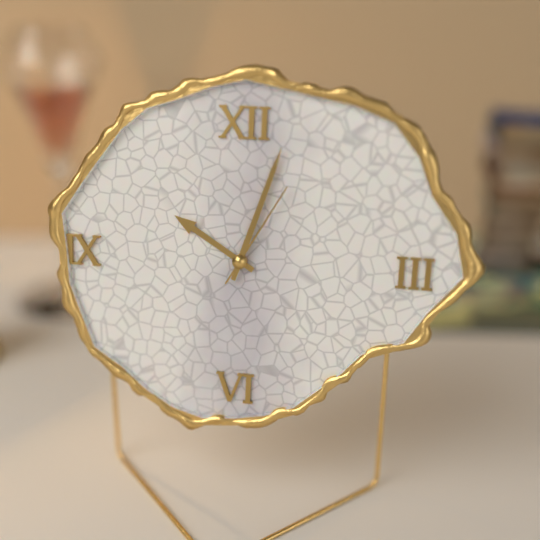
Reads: 10:03:05
